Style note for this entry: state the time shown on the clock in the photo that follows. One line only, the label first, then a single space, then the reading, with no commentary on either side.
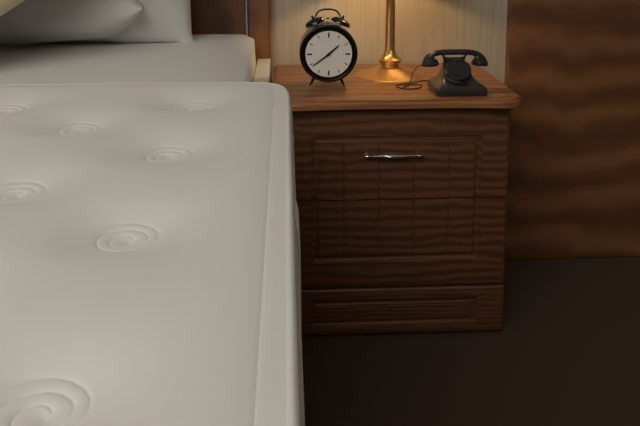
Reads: 1:39
